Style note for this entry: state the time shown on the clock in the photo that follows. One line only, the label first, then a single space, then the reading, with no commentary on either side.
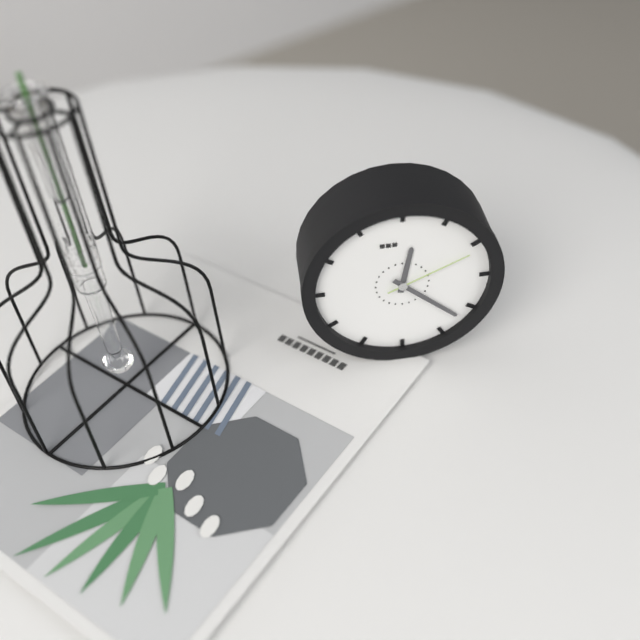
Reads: 12:22:11
